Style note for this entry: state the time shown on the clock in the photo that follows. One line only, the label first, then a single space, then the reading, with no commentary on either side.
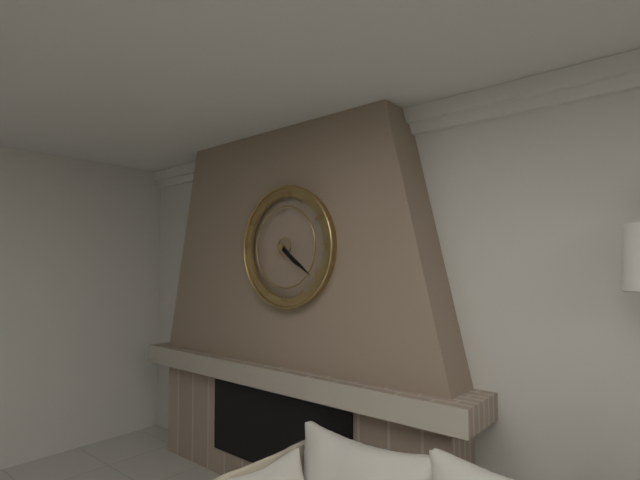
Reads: 4:21
